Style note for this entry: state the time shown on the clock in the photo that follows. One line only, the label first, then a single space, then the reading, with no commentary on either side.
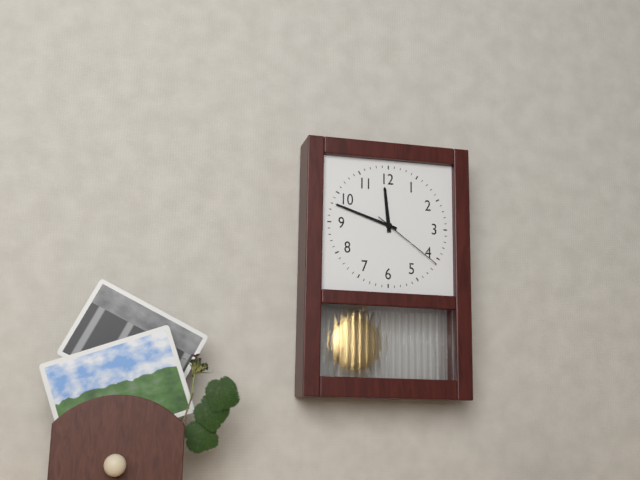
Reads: 11:48:21
